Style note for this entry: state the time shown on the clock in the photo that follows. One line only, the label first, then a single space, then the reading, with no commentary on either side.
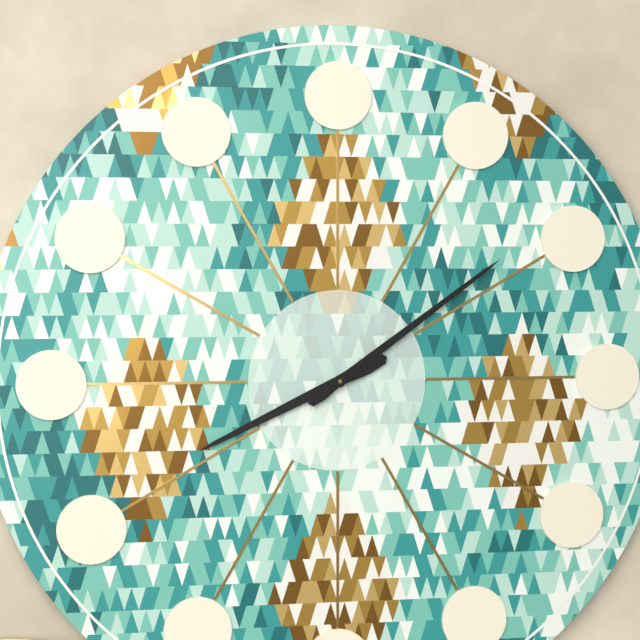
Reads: 8:09
